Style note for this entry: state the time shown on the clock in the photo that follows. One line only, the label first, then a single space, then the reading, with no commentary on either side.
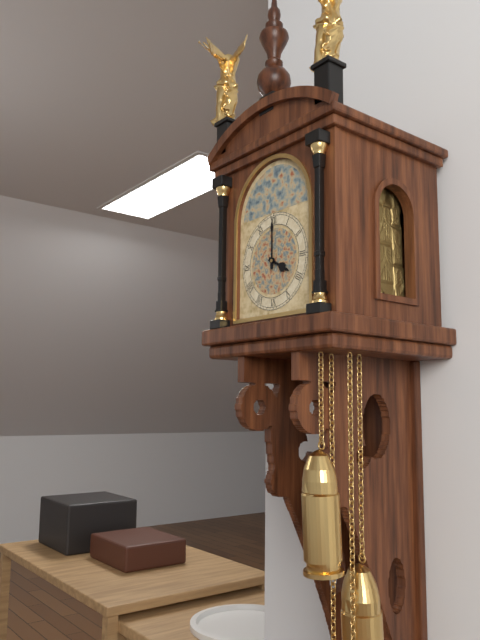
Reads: 4:00
